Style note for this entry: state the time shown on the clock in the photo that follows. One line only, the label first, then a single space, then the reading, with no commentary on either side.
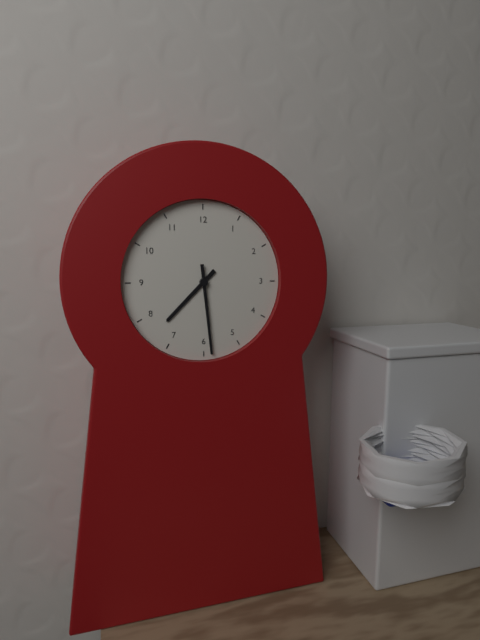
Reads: 7:29
